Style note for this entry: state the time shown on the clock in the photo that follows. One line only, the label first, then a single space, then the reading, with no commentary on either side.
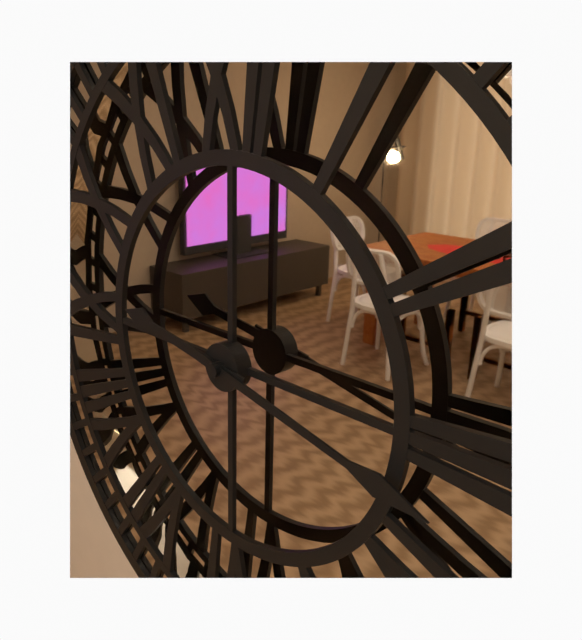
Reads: 9:17
